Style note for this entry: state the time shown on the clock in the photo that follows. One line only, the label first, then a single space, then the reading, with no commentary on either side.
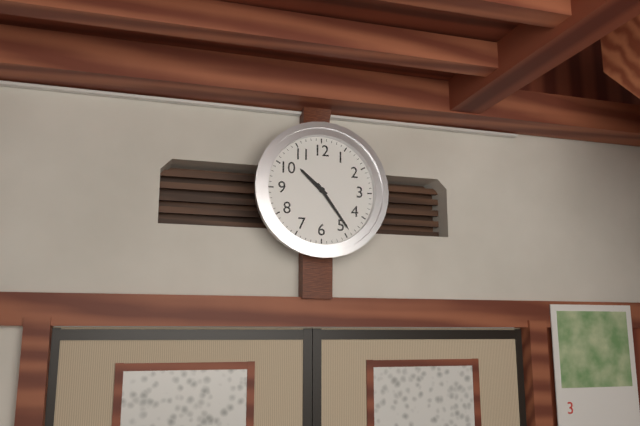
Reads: 10:24
